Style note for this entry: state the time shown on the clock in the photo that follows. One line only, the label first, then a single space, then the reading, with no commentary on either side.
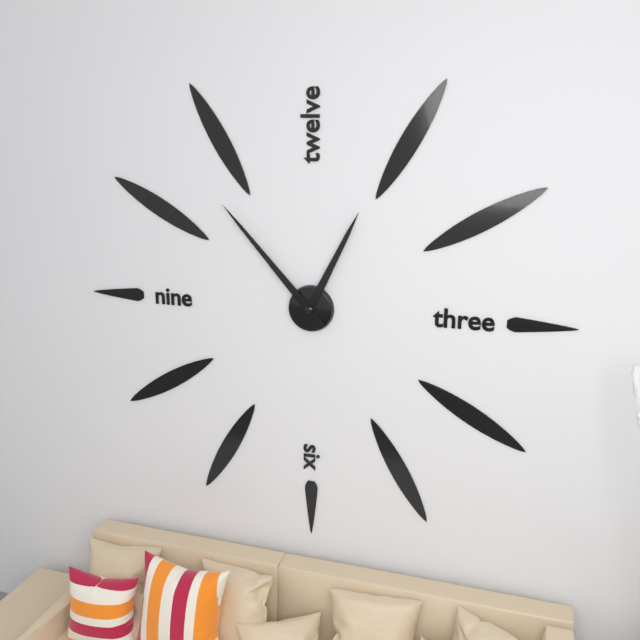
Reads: 12:53
